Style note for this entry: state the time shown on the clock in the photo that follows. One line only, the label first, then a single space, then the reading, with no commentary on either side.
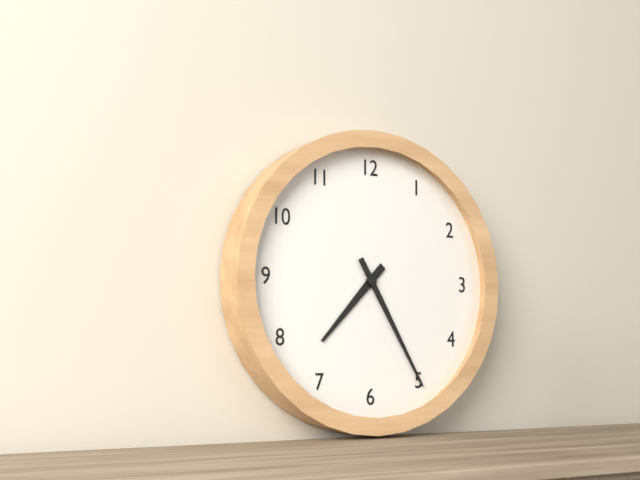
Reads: 7:25
